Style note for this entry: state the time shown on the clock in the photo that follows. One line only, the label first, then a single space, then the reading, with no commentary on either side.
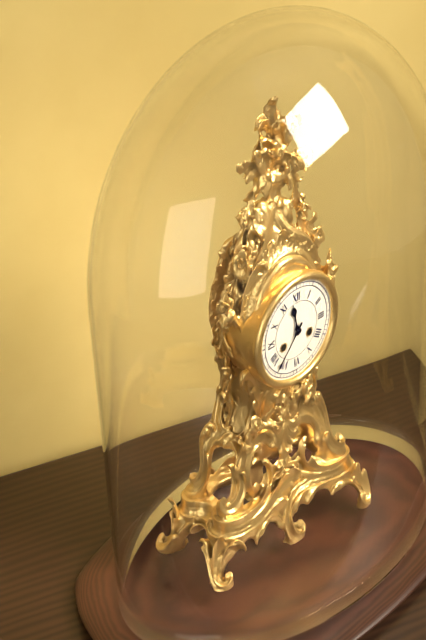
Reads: 11:37
